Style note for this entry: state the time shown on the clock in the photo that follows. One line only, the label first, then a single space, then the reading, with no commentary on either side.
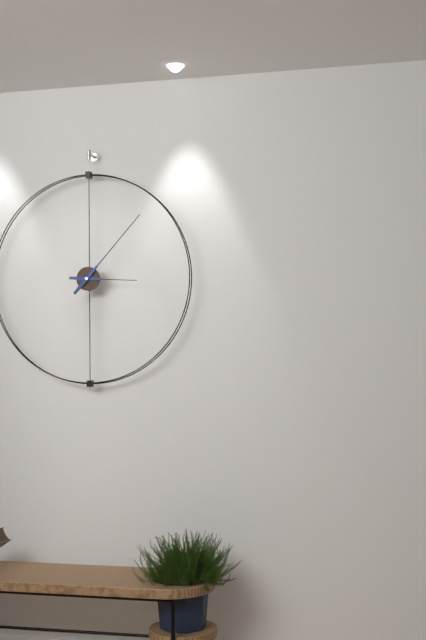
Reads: 3:07
